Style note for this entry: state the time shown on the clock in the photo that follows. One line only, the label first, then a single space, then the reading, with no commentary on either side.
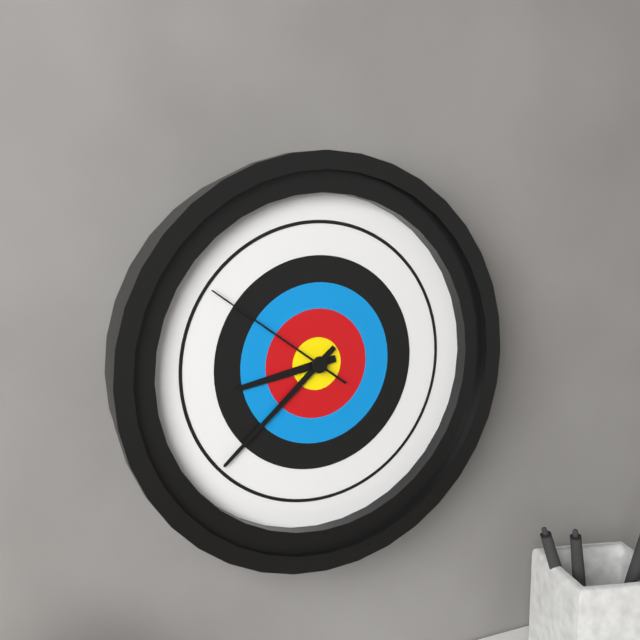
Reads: 8:38:51
